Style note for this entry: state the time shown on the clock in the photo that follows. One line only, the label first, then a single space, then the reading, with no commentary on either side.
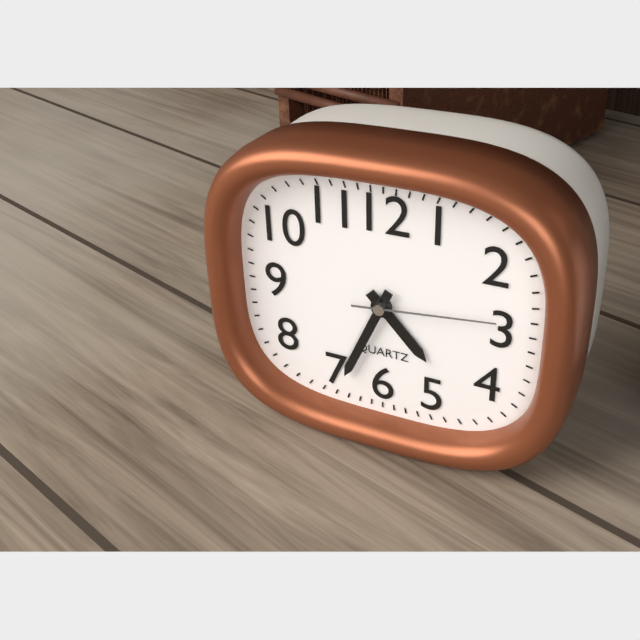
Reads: 4:34:14
